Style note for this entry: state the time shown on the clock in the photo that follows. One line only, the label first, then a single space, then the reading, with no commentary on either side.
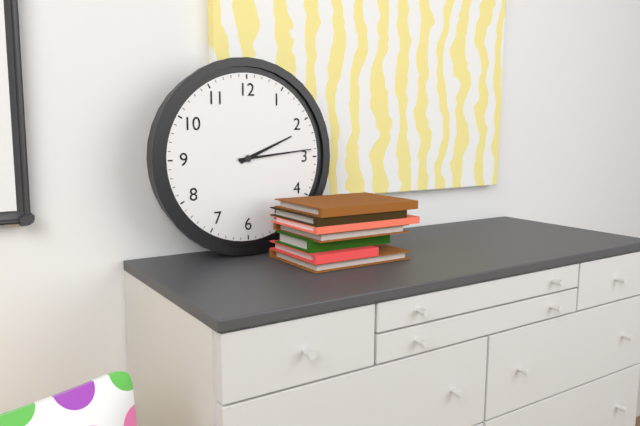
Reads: 2:14
